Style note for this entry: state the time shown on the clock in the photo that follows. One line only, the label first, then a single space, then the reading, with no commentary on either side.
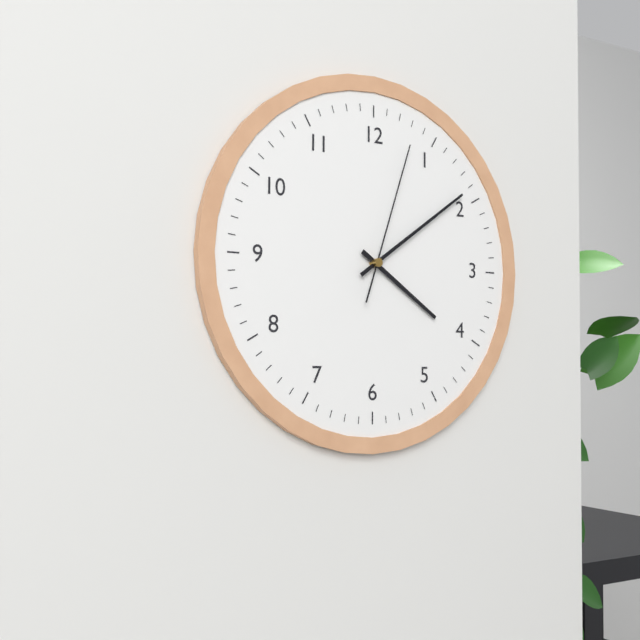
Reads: 4:09:03
